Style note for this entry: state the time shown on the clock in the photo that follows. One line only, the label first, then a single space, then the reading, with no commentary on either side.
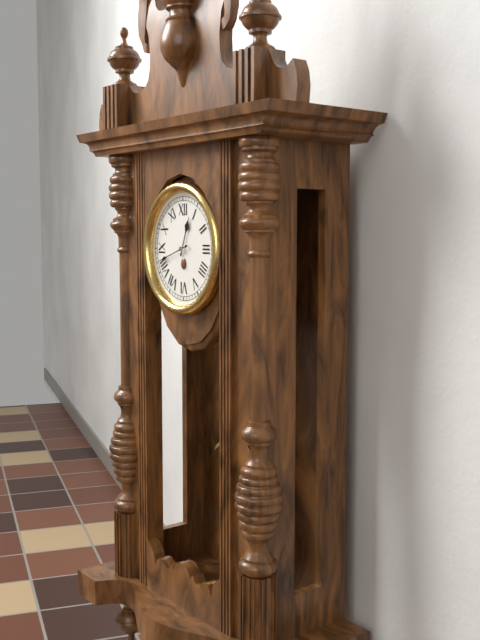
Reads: 12:42
